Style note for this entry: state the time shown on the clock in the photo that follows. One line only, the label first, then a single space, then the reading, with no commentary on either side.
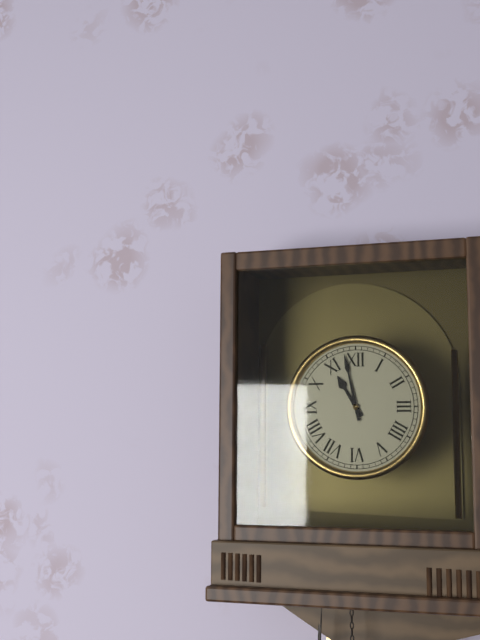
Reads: 10:58
